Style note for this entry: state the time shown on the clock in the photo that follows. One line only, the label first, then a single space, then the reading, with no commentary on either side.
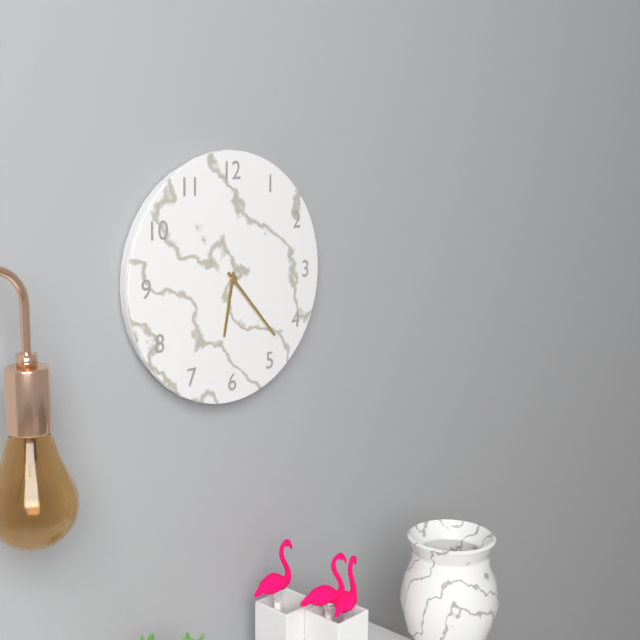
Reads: 6:23
